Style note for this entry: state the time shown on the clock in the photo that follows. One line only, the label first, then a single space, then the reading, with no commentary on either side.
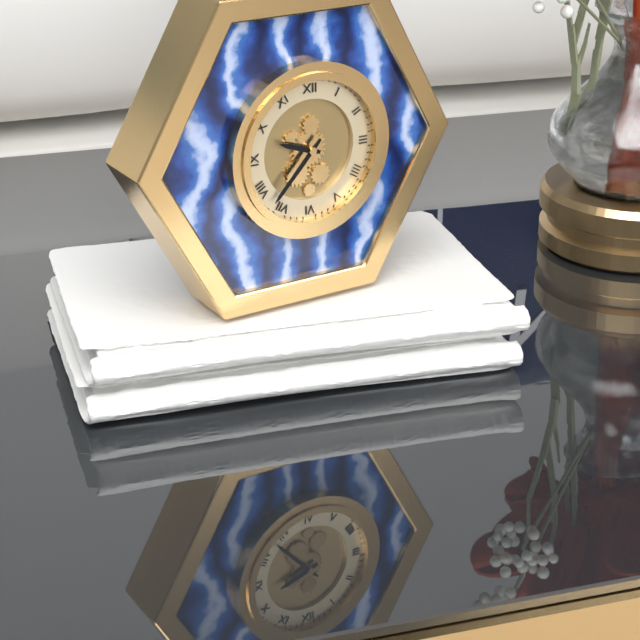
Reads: 9:37
